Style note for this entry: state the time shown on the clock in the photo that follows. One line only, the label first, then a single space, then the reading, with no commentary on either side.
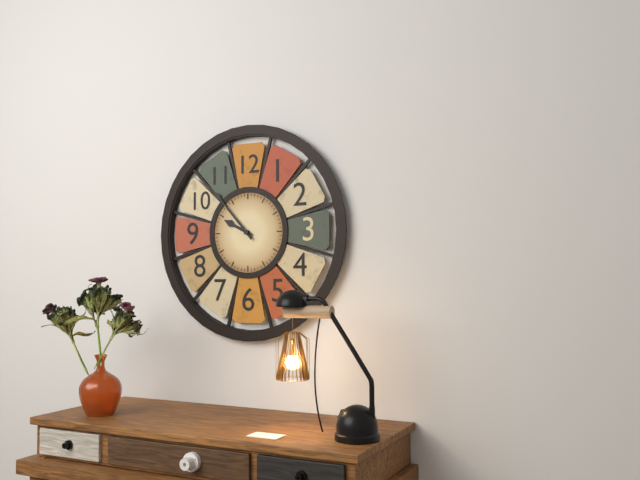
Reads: 9:53
